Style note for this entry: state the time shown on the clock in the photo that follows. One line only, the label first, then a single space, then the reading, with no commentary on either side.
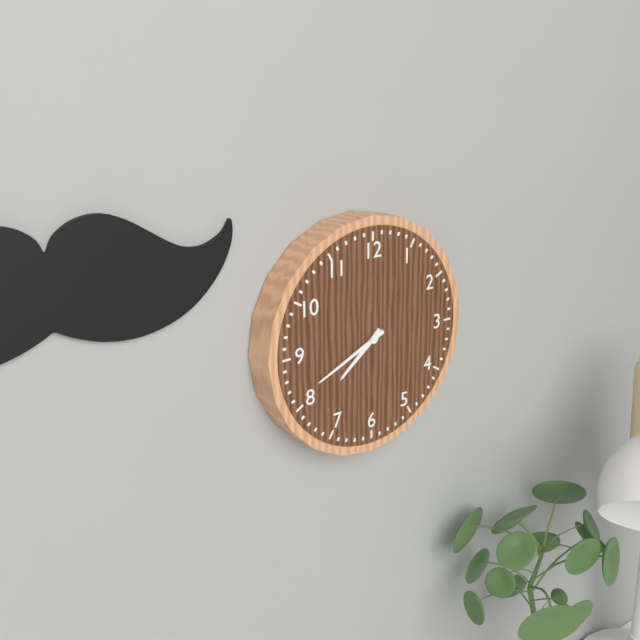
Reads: 7:41
